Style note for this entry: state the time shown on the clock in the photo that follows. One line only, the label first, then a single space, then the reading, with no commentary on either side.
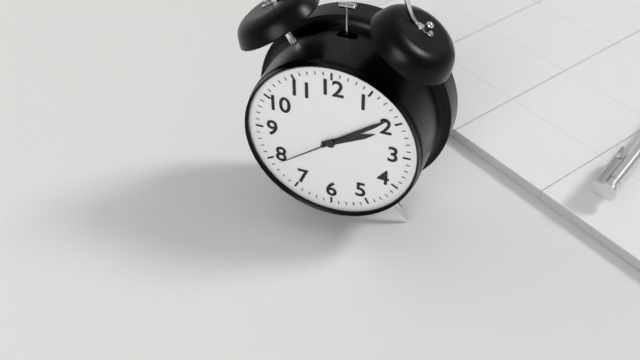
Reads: 2:09:39
